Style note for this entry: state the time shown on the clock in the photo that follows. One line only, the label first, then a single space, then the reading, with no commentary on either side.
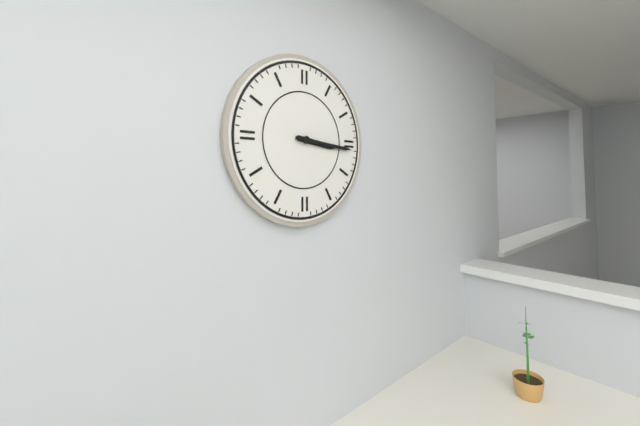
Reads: 3:16
